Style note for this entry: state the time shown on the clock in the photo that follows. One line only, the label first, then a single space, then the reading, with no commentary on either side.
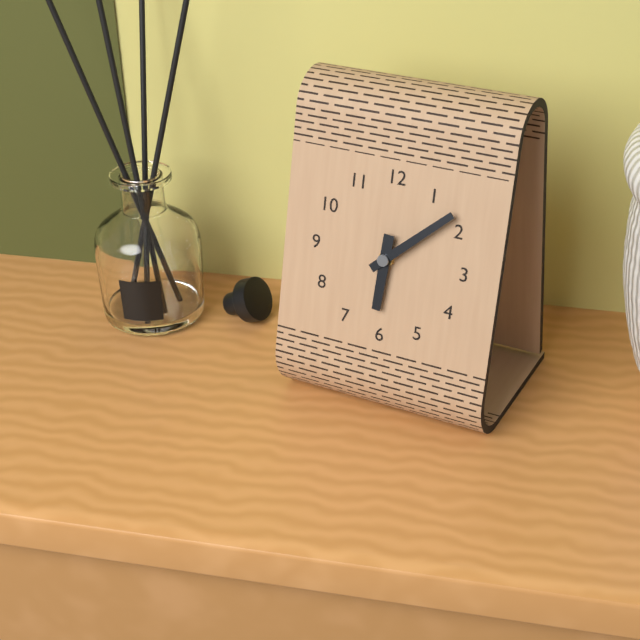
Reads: 6:08
